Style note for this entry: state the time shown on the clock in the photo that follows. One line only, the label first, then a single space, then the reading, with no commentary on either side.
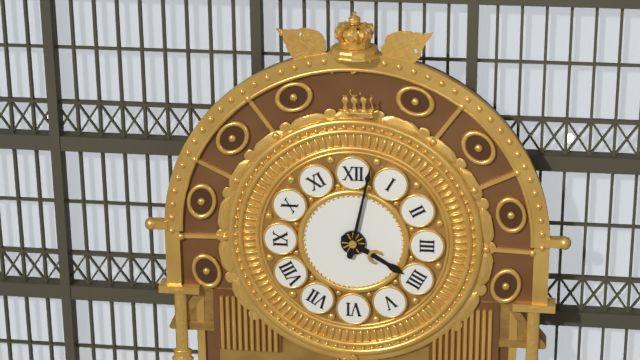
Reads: 4:02
